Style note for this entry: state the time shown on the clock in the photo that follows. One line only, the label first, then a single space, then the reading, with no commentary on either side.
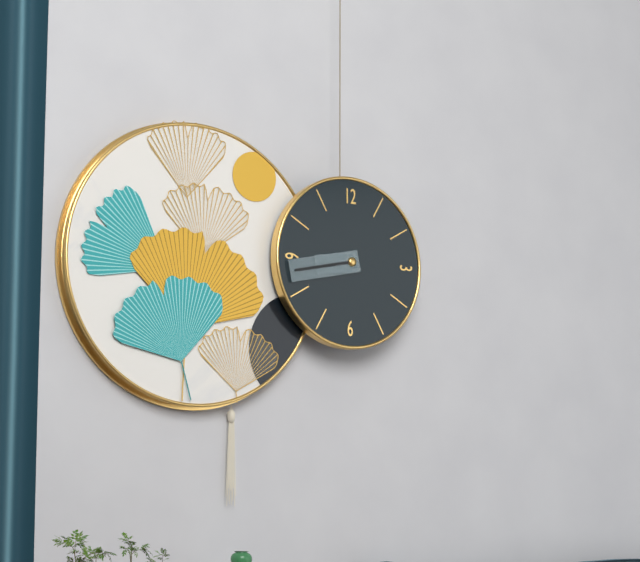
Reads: 8:43
